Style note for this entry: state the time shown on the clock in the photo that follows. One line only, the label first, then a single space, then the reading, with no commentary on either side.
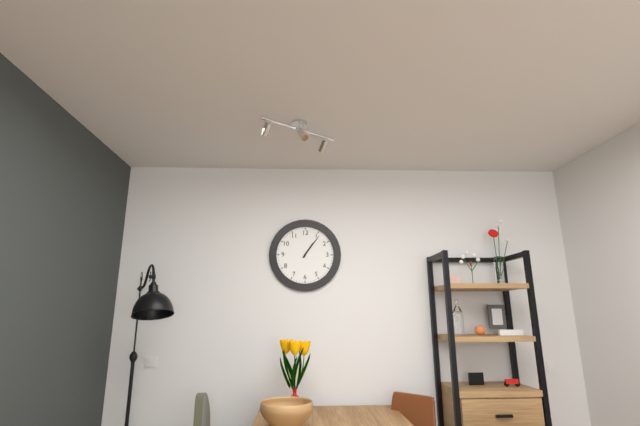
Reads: 1:06
